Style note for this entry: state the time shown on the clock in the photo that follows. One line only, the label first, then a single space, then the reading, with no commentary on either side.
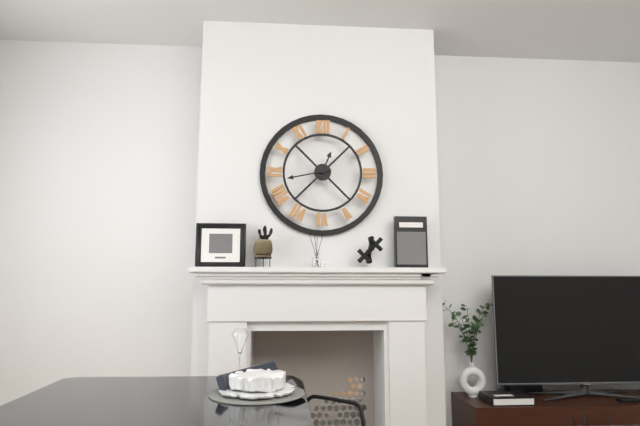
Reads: 12:43
